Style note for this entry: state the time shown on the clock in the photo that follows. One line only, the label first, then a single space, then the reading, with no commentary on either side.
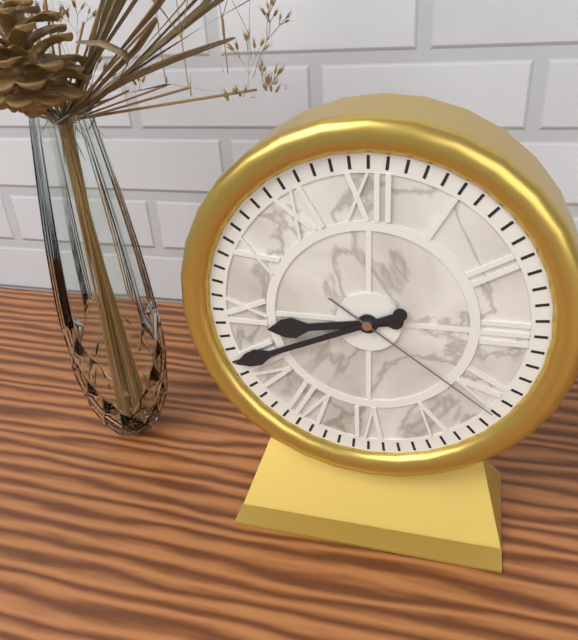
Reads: 8:41:21
